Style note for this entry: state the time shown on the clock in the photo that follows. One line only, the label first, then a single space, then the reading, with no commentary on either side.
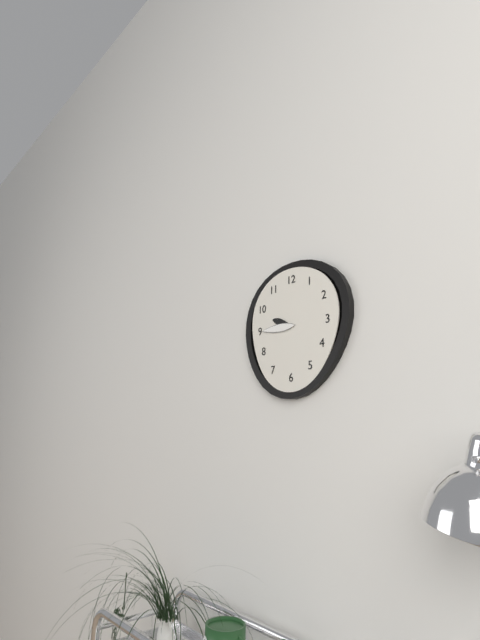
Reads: 9:45
